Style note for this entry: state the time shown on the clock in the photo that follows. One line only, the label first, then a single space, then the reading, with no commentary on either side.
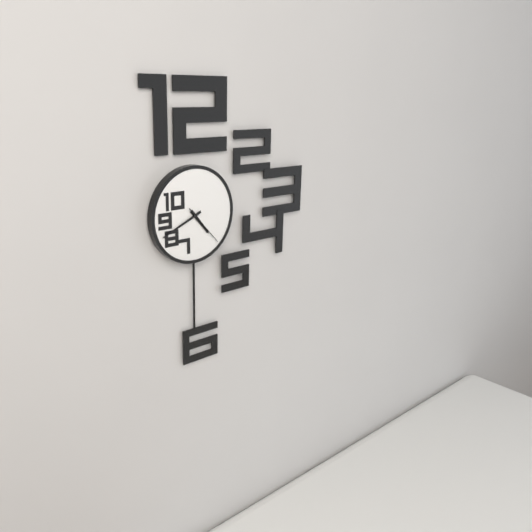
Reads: 4:41
